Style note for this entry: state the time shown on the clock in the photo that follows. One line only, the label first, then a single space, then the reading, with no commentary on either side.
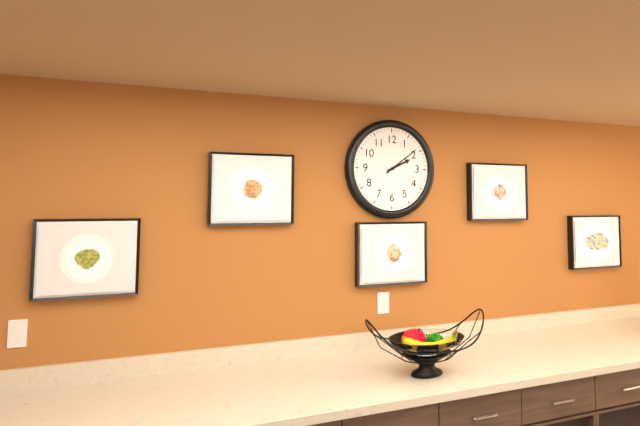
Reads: 2:09
